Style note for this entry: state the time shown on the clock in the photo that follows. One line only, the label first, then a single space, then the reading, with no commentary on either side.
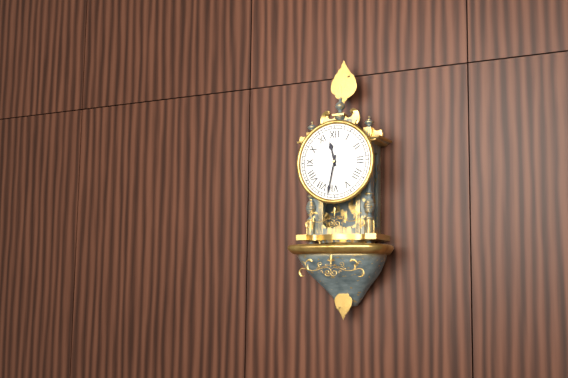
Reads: 11:32
